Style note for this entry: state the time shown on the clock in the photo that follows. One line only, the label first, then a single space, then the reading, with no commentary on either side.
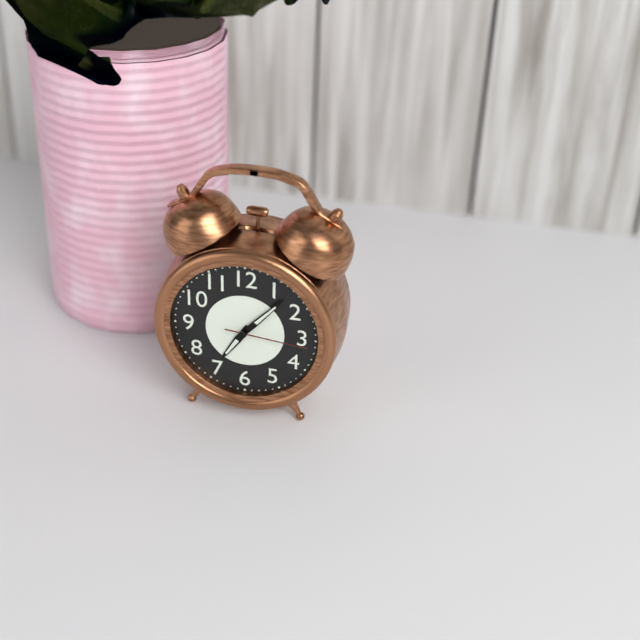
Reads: 7:07:16
